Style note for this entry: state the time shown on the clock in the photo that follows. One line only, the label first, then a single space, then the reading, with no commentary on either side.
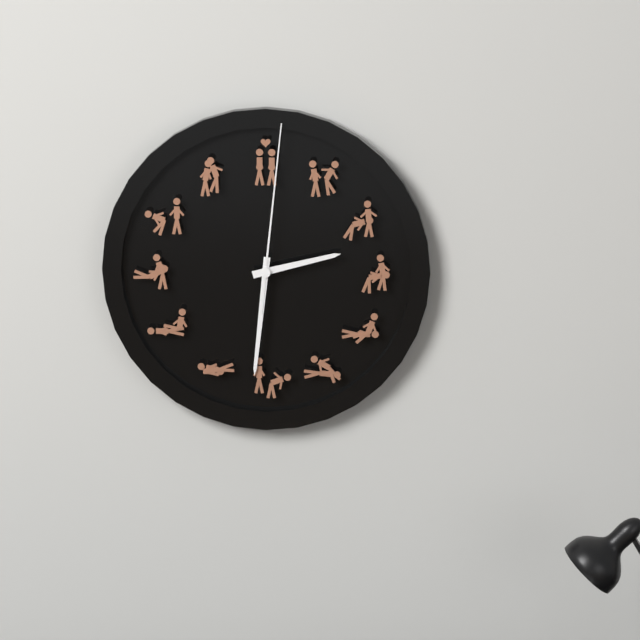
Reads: 2:31:01
